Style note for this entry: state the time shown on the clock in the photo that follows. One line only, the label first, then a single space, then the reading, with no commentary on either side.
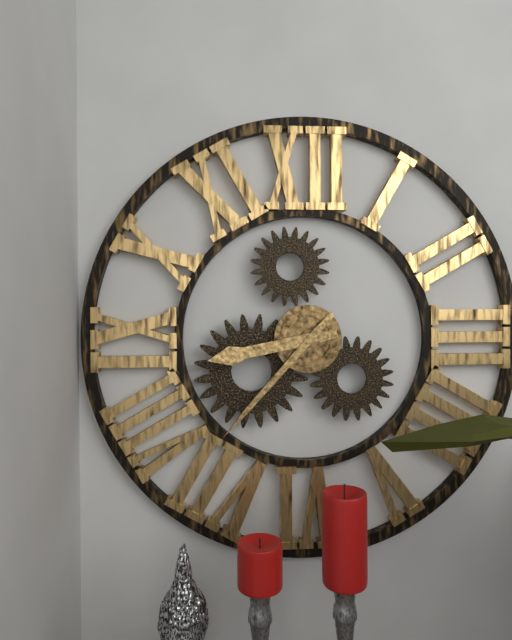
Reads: 8:37
